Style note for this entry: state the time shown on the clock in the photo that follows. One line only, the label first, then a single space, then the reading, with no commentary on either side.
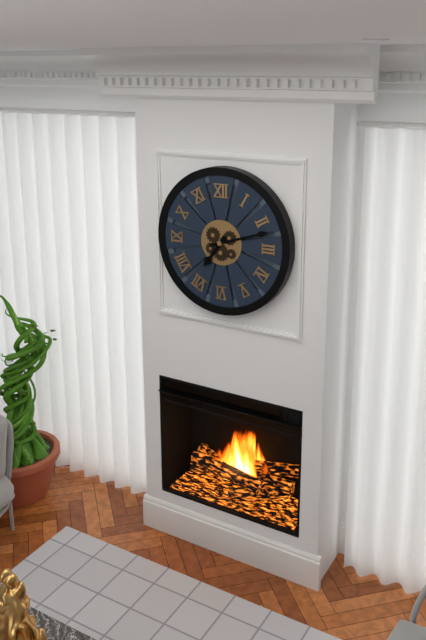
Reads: 7:12
